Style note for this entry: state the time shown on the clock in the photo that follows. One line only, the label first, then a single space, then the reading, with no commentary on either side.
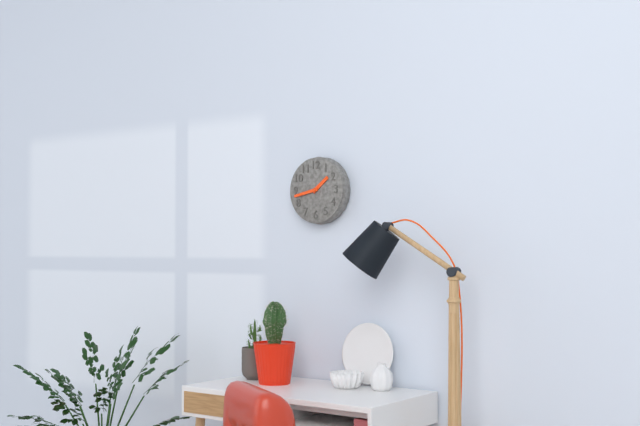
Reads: 1:43
